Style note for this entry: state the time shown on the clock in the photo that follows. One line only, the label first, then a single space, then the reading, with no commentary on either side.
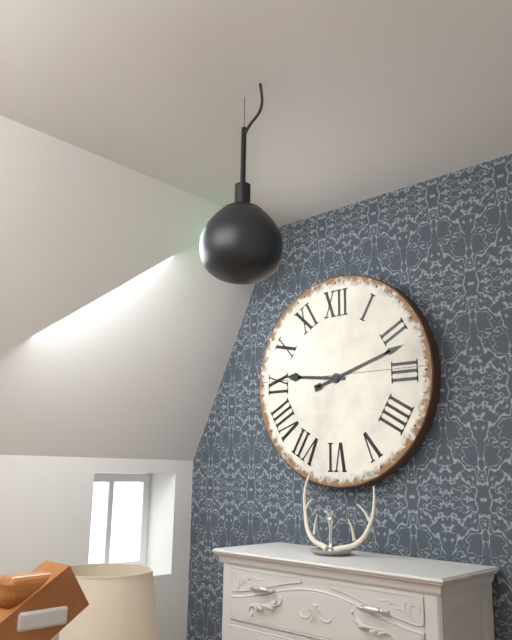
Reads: 9:12
